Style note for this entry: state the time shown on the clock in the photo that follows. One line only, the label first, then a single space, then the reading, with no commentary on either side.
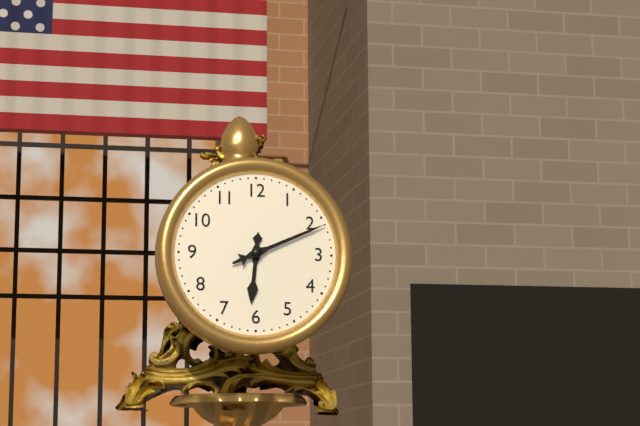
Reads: 6:11
